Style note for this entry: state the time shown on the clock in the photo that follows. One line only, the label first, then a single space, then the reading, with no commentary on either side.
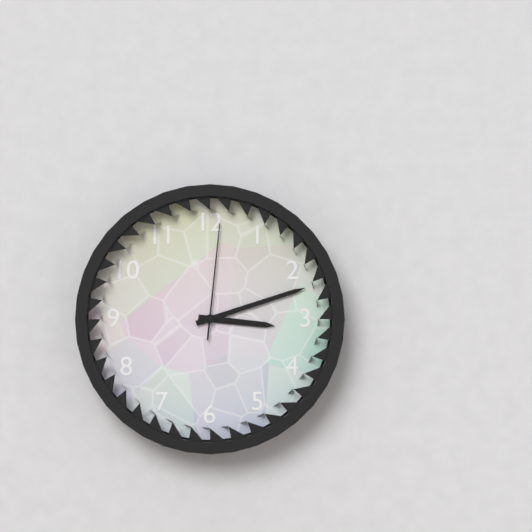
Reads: 3:12:01
